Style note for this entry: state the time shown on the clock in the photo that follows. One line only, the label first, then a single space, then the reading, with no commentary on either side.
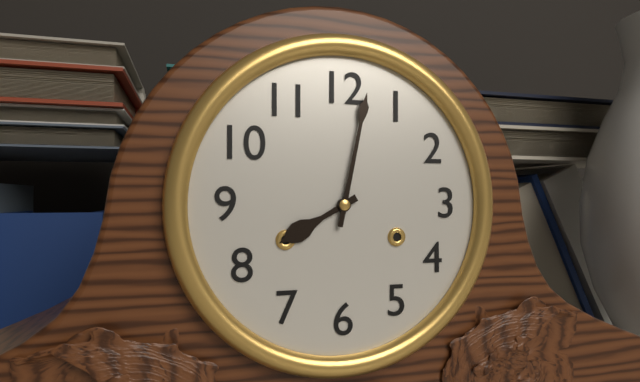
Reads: 8:02
